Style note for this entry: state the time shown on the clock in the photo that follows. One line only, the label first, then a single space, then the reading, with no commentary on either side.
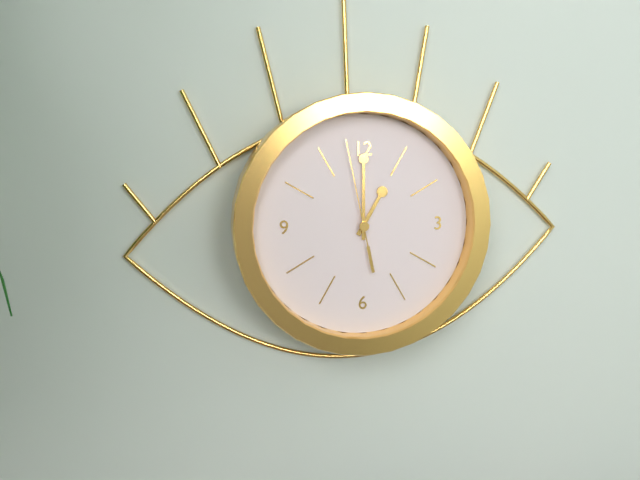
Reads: 1:00:58
